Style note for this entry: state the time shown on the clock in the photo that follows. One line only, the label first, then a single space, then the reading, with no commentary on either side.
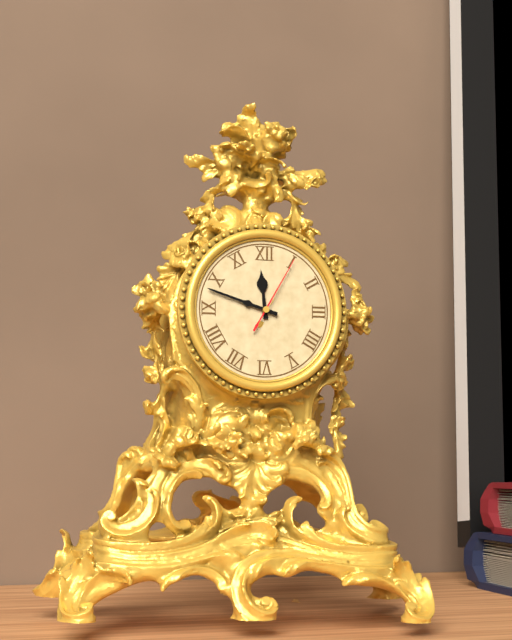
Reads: 11:48:05
